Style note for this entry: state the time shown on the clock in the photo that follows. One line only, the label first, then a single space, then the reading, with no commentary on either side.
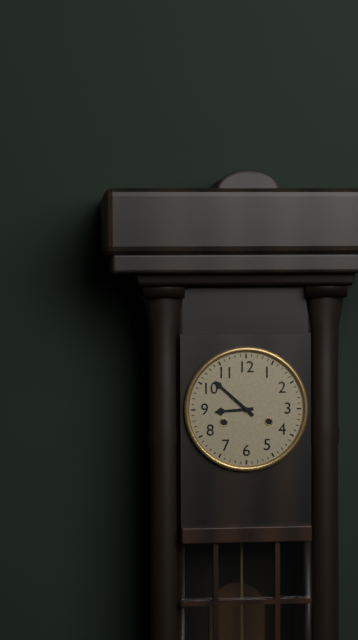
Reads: 8:52
